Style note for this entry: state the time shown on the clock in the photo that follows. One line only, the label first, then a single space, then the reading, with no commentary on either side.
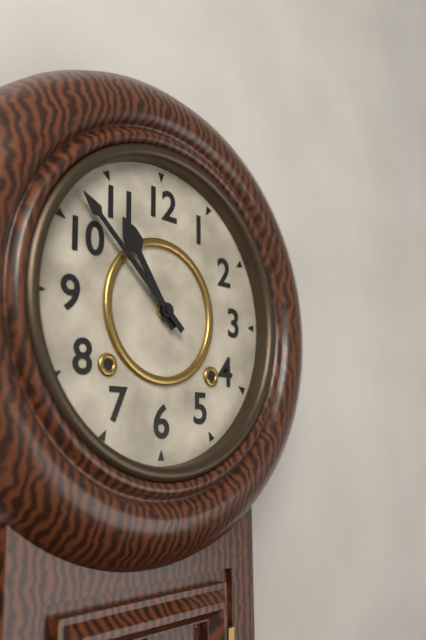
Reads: 10:52
